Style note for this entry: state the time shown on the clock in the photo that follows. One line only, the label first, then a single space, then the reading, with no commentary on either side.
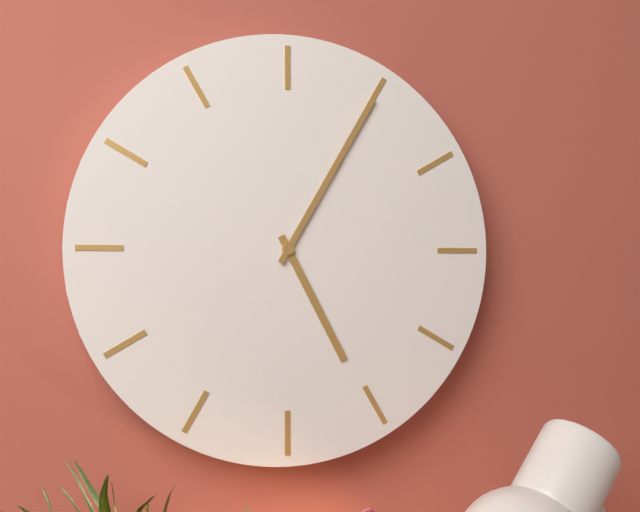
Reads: 5:05
